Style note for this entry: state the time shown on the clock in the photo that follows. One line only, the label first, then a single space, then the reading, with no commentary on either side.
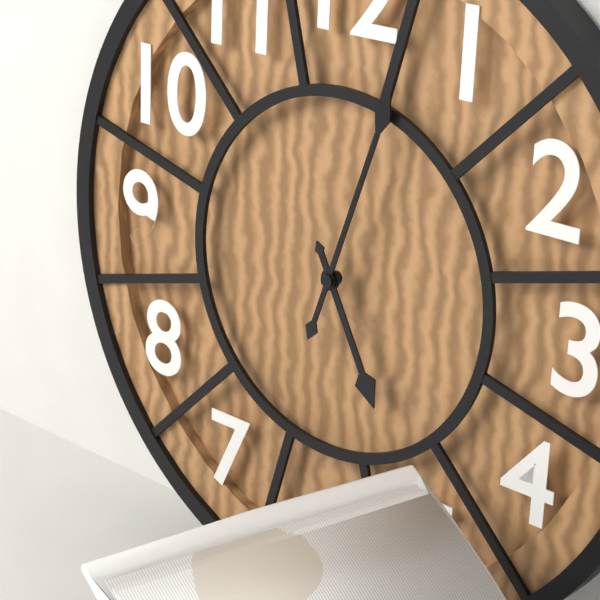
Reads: 5:03
